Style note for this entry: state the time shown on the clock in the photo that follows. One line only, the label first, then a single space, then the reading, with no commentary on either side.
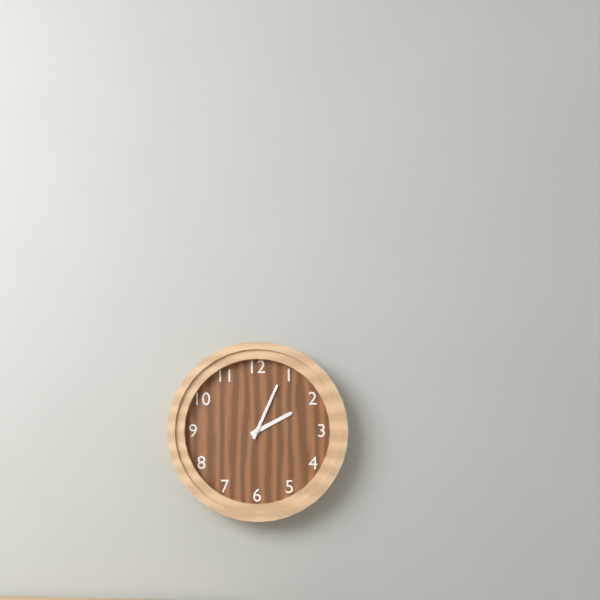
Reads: 2:04
